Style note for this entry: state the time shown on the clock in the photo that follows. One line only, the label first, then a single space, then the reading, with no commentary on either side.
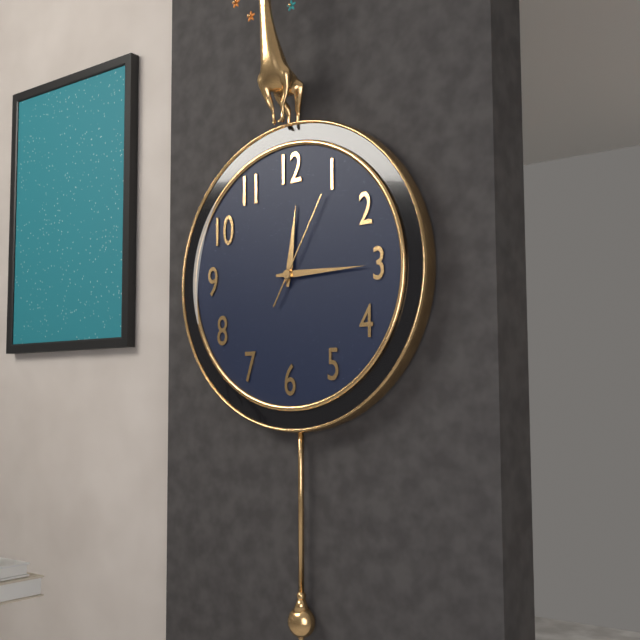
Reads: 12:15:05
